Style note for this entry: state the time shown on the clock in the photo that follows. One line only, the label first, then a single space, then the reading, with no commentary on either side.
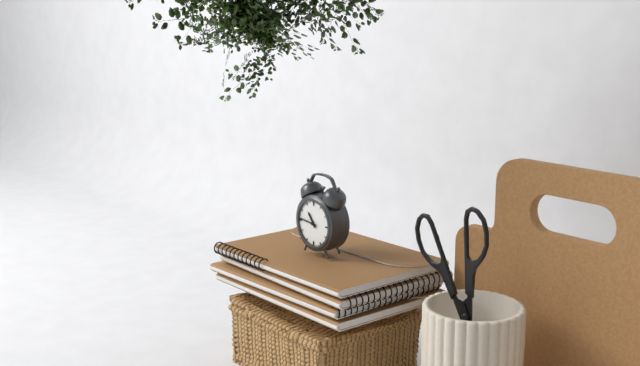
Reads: 10:46
